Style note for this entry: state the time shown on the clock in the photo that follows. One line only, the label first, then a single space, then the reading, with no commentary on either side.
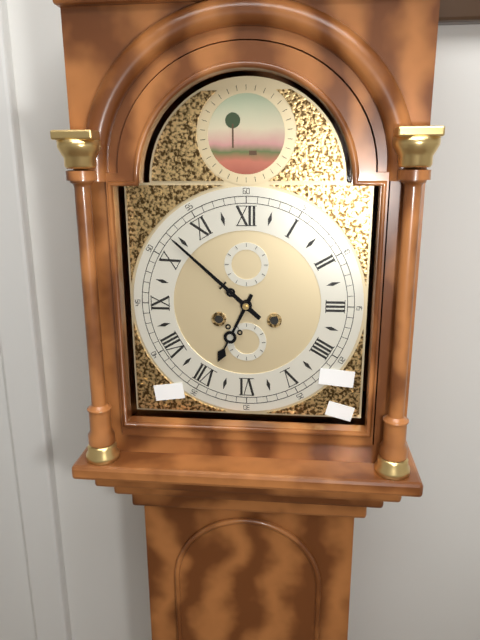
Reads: 6:52
